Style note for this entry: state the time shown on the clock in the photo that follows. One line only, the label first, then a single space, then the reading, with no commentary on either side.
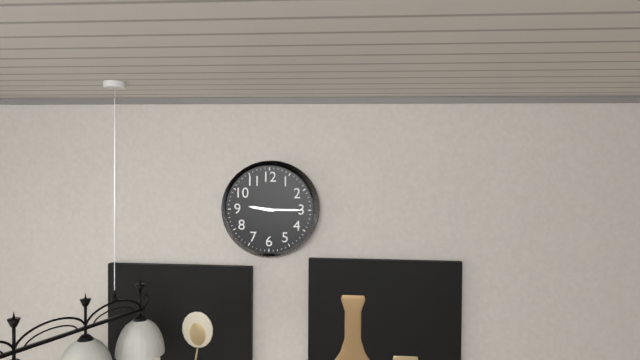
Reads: 9:15
